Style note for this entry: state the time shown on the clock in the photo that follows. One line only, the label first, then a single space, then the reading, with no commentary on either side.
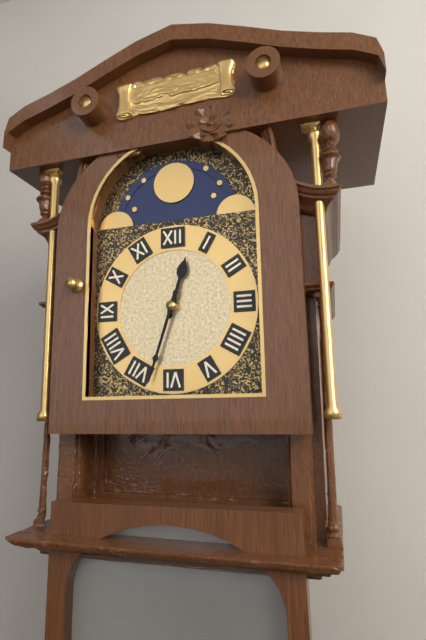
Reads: 12:33
